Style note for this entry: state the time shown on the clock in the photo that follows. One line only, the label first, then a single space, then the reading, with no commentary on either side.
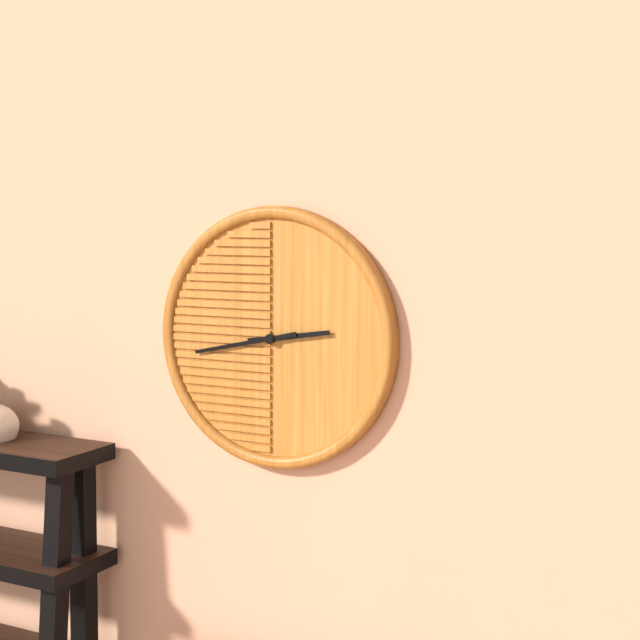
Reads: 2:43
